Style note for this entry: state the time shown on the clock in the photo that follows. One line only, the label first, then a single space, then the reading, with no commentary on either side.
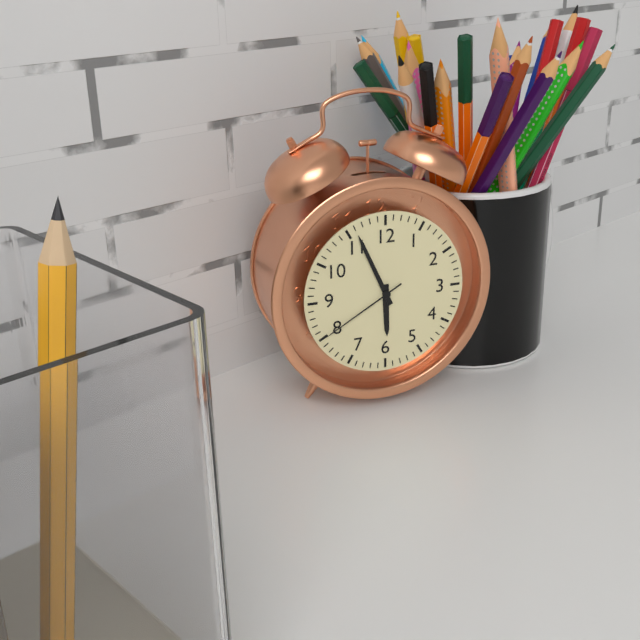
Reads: 5:56:40
